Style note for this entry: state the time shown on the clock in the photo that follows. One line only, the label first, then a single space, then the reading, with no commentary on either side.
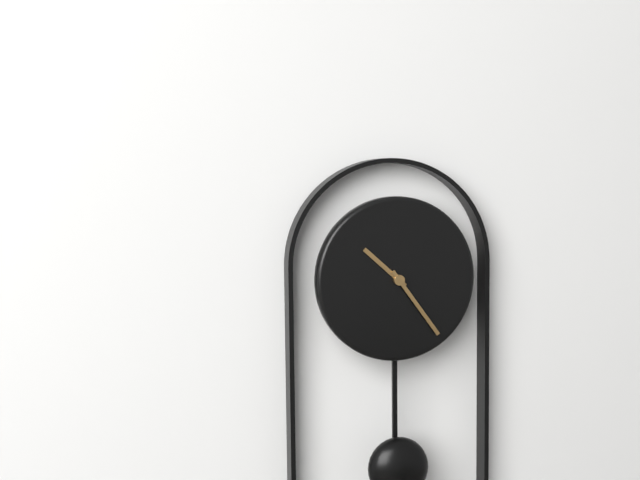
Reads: 10:24
